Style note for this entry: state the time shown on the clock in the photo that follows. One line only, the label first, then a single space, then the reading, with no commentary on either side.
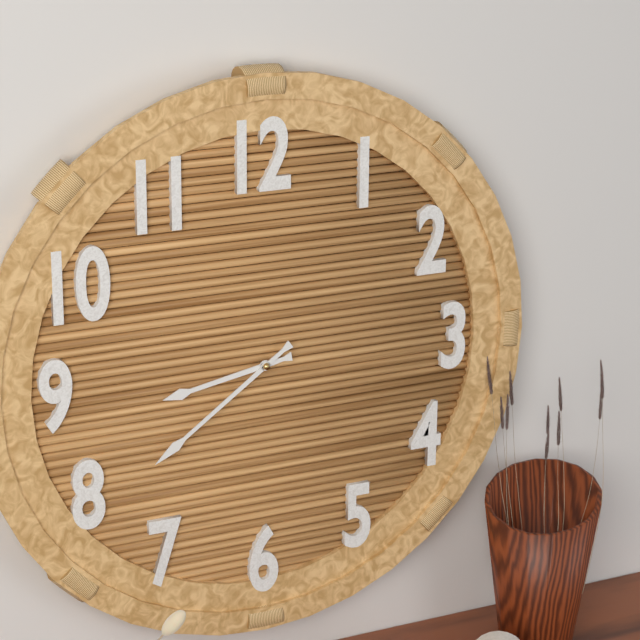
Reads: 8:39
